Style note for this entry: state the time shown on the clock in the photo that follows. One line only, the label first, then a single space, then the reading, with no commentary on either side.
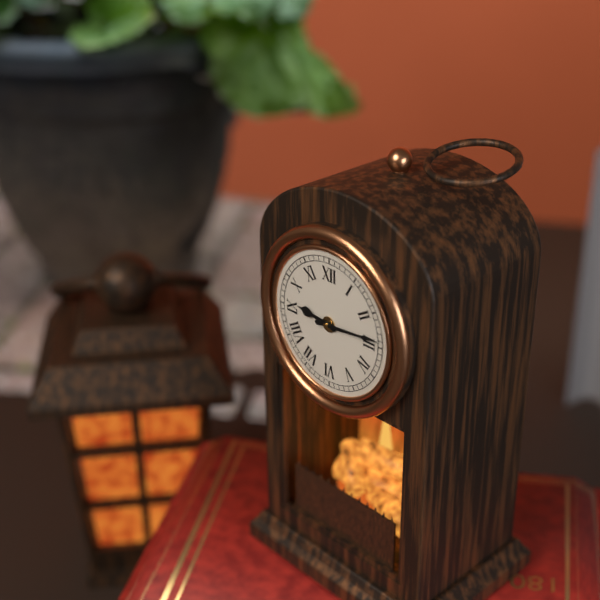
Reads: 9:14
